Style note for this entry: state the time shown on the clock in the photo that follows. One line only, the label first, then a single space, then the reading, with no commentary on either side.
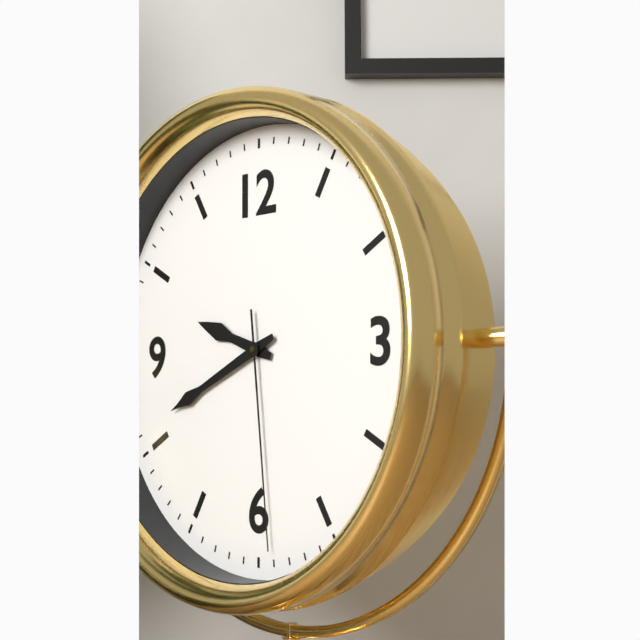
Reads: 9:41:29
